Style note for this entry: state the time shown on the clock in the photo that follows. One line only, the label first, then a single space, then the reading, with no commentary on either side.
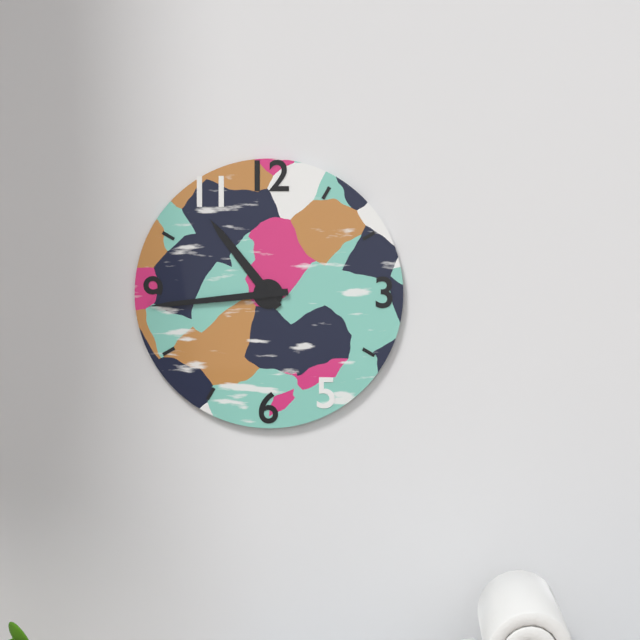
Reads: 10:44
